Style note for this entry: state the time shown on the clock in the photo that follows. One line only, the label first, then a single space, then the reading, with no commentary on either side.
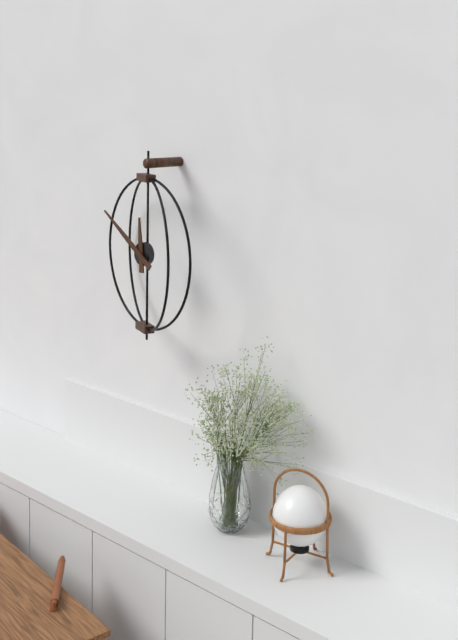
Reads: 11:51
